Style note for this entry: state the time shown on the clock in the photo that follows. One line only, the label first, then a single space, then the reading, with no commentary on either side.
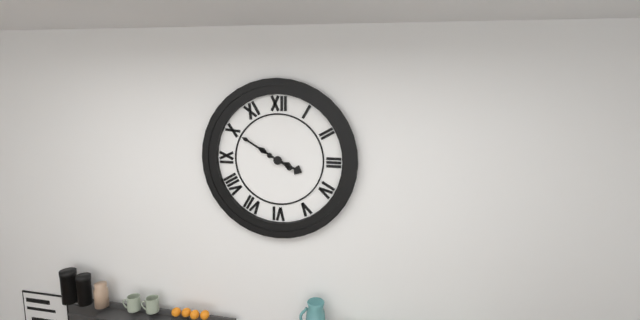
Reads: 3:50
